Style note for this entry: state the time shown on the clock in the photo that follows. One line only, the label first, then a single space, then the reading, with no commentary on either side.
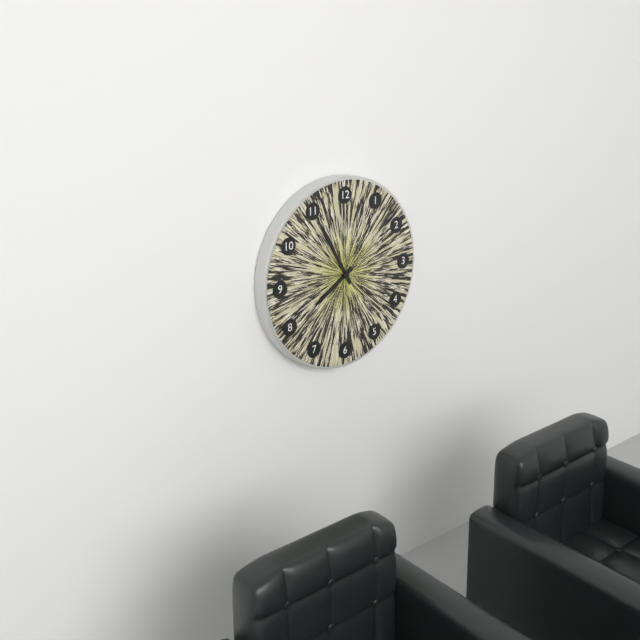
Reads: 7:55
